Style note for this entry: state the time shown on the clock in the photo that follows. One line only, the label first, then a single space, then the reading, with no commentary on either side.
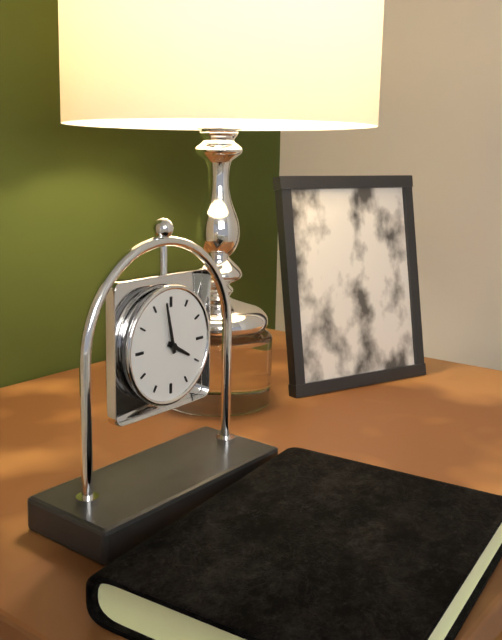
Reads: 3:58
